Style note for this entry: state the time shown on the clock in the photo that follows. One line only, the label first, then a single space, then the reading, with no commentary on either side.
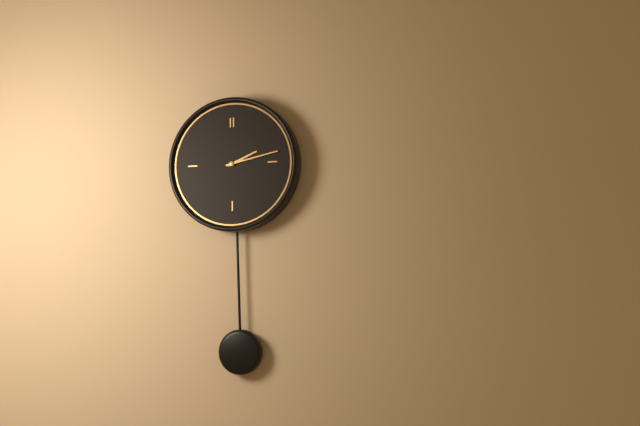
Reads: 2:13
